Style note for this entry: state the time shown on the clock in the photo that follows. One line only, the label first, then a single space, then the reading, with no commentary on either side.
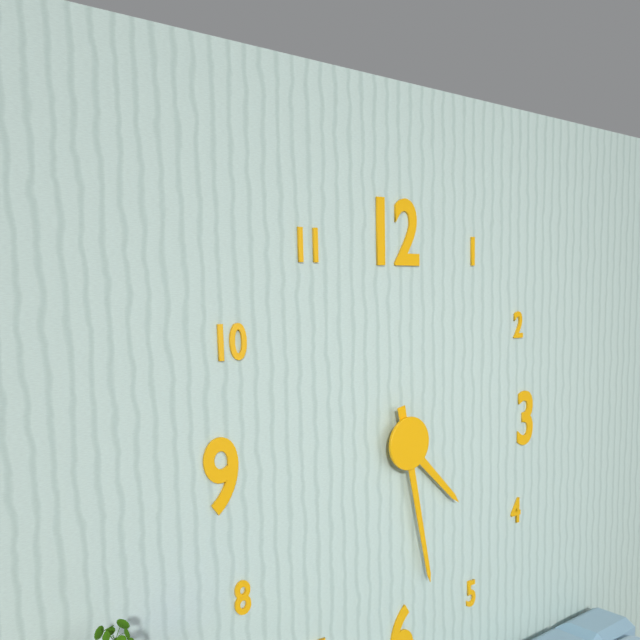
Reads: 4:28
